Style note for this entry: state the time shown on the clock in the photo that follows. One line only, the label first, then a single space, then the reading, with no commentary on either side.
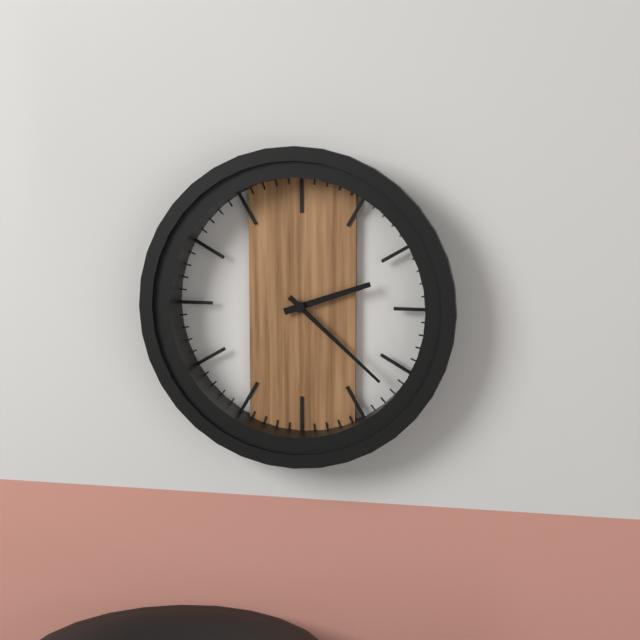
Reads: 2:22
